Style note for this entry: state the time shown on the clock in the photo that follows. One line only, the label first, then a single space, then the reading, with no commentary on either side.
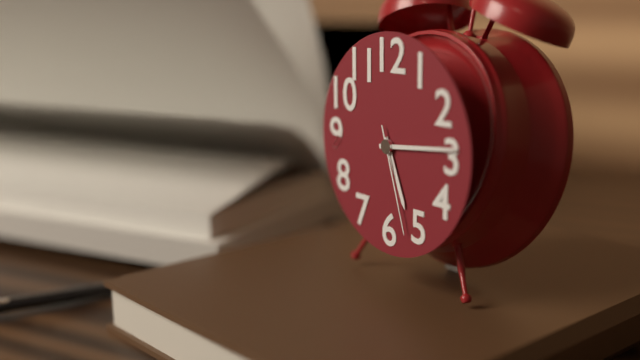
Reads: 5:14:27
